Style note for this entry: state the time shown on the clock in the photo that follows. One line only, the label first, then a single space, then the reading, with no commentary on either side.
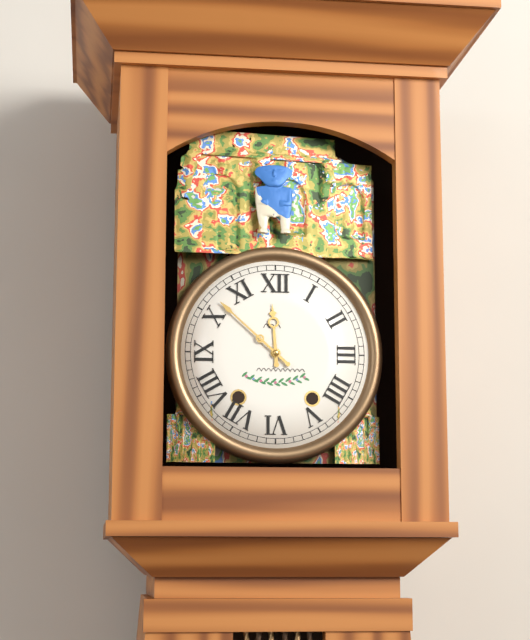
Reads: 11:52
